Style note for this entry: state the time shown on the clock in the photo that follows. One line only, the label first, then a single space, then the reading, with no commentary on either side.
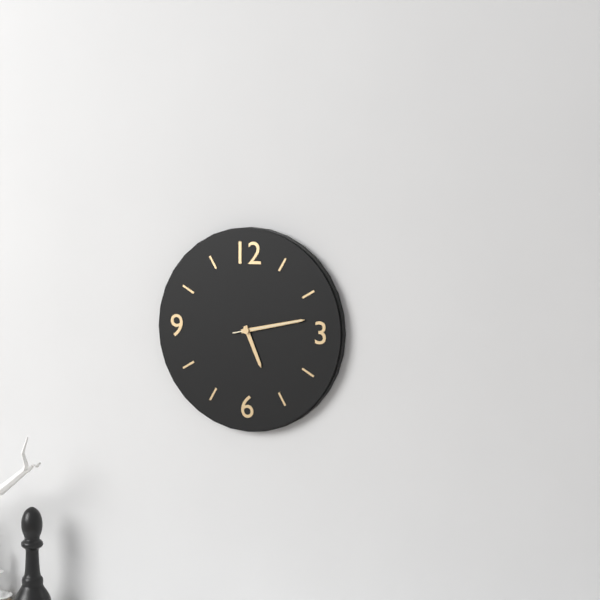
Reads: 5:13:13
